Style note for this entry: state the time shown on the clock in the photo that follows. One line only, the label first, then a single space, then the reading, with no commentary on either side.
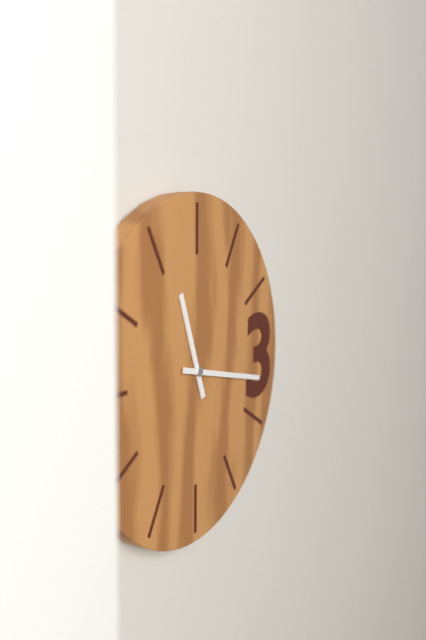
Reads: 11:17
